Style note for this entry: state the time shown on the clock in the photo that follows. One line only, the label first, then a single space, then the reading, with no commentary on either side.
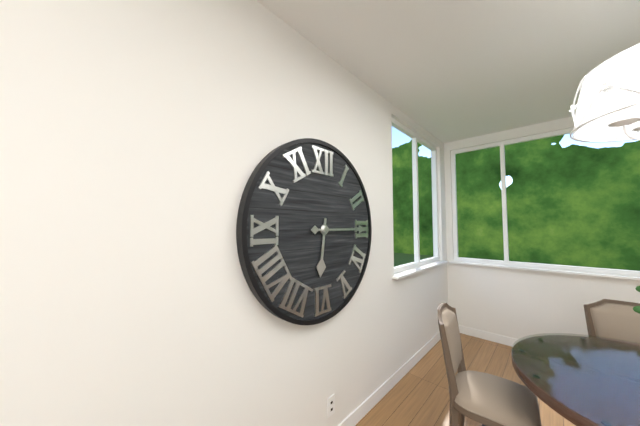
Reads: 6:15
